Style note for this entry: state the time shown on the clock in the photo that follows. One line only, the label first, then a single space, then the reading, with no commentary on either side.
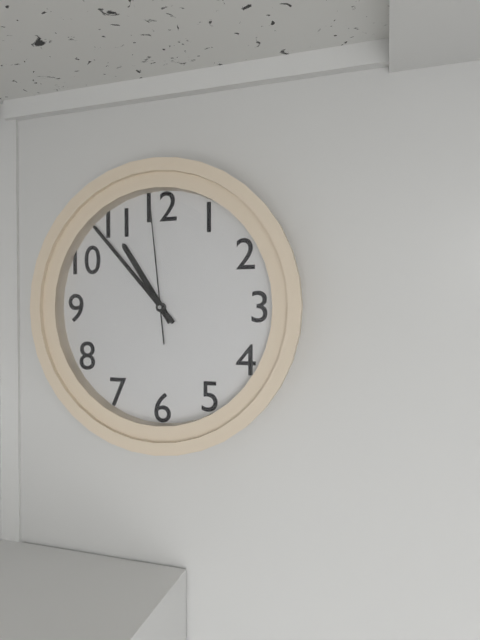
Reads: 10:53:59
